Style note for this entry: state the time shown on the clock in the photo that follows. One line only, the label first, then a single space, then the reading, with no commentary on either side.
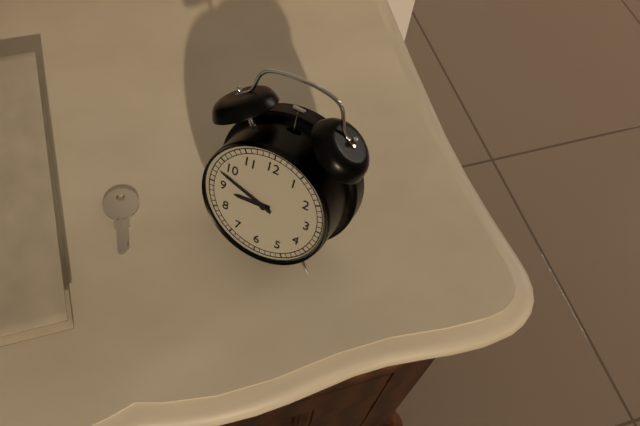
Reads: 8:48
